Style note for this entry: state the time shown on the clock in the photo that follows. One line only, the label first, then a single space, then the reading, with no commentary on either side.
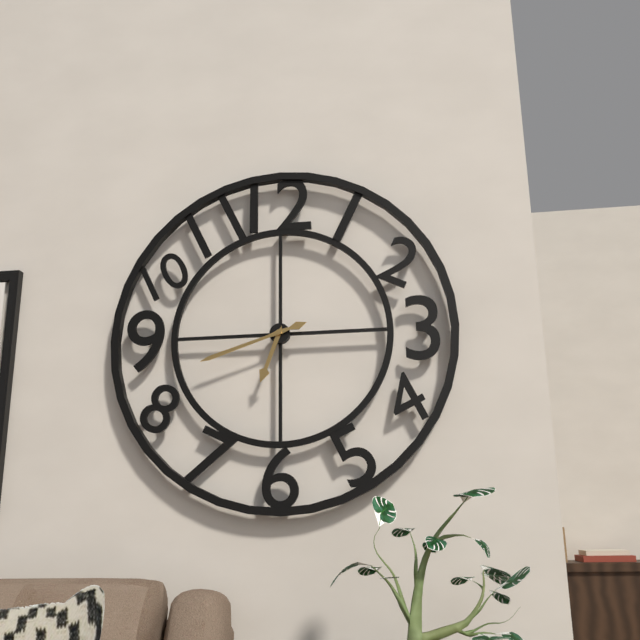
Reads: 6:42
